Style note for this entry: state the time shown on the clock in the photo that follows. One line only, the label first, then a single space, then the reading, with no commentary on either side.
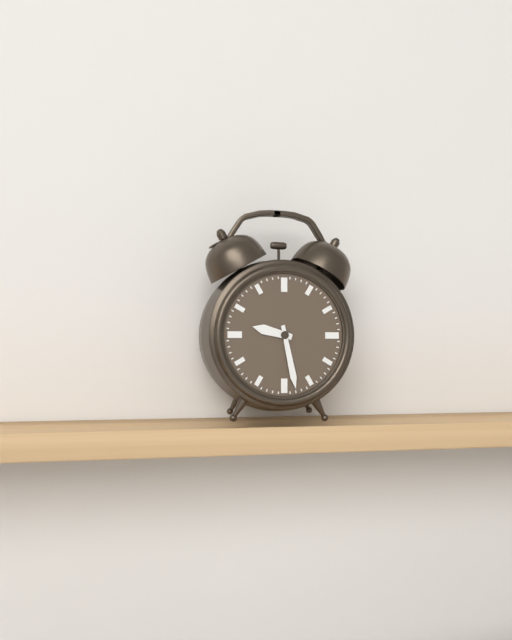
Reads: 9:28
